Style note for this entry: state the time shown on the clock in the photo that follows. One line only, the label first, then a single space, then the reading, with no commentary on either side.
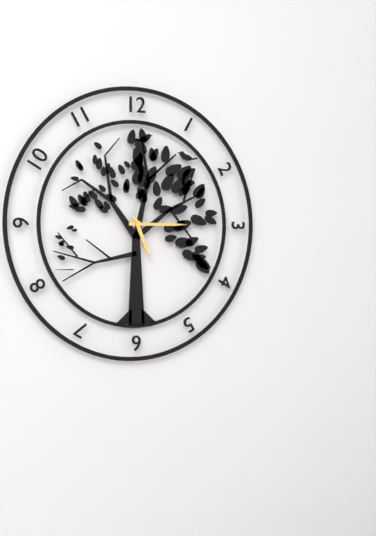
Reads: 5:15
